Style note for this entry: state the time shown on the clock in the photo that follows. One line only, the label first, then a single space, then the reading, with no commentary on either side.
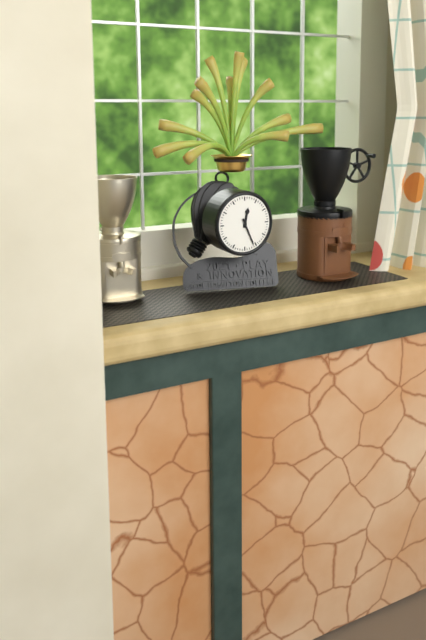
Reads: 12:26
